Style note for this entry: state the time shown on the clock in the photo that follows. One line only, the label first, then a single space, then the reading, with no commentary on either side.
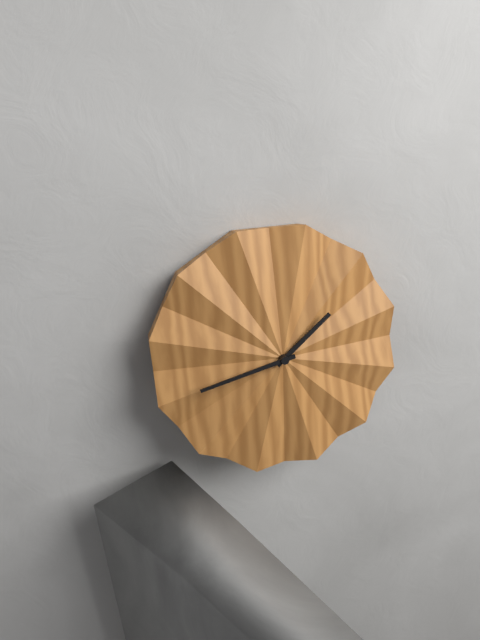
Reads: 1:43
